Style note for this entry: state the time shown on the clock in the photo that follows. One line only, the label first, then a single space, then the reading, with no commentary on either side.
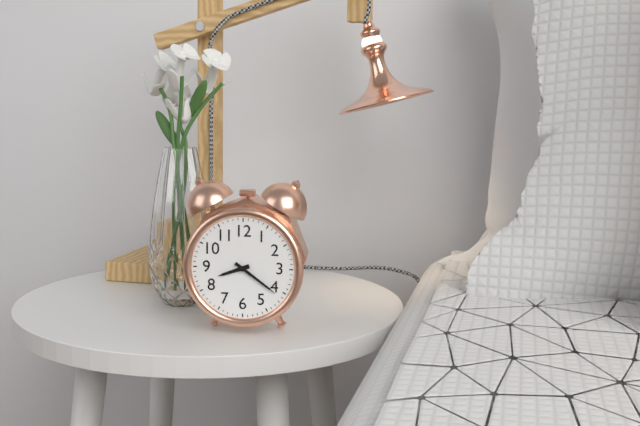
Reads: 8:21
